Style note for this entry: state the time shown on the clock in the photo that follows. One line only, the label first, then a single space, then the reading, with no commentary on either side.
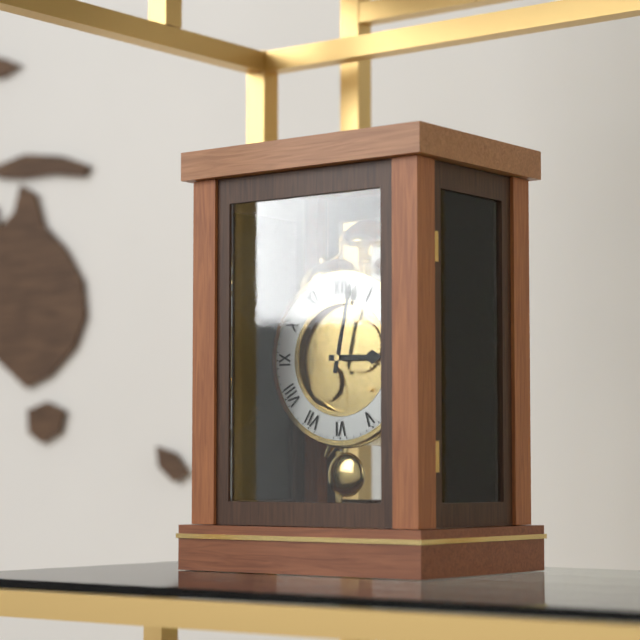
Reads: 3:02
